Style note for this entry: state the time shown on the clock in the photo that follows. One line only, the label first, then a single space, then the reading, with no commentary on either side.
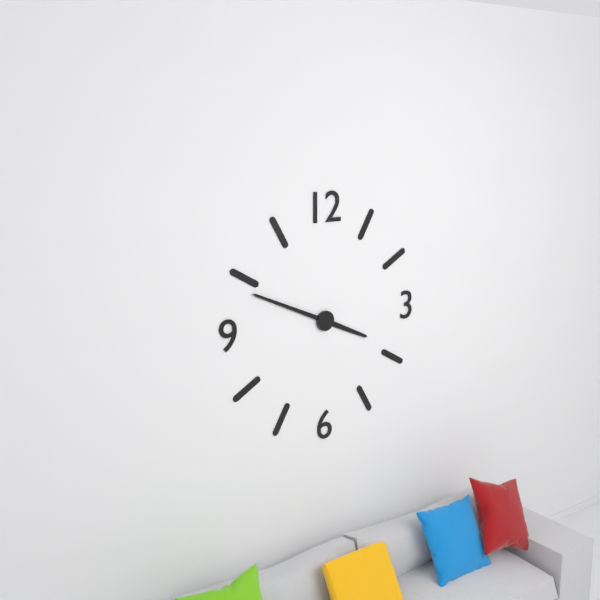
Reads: 3:49
